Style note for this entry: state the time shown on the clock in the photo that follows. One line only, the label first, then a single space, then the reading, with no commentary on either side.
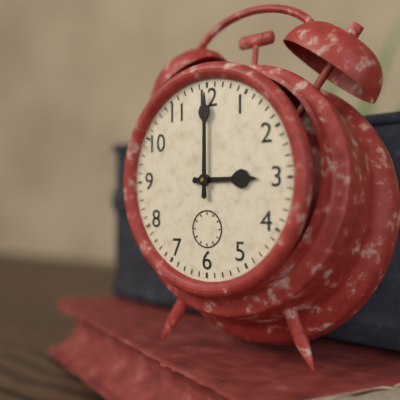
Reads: 3:00
